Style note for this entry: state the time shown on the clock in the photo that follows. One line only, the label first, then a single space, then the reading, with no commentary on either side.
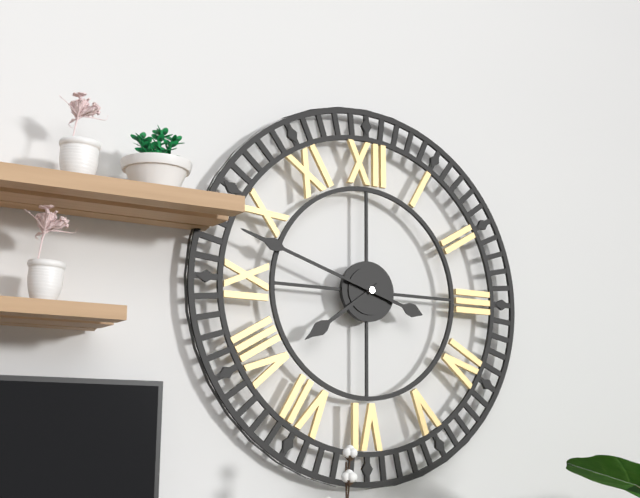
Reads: 7:48
